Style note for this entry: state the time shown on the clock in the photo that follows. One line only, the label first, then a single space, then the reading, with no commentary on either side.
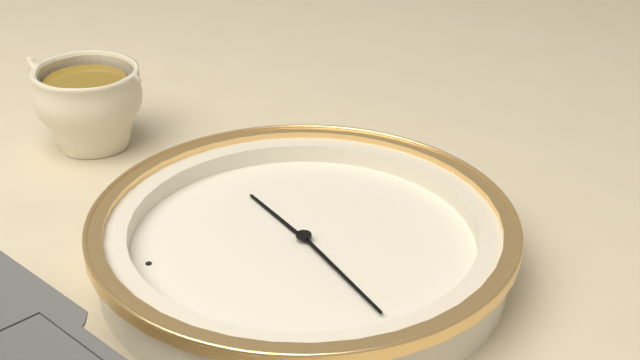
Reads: 1:39
